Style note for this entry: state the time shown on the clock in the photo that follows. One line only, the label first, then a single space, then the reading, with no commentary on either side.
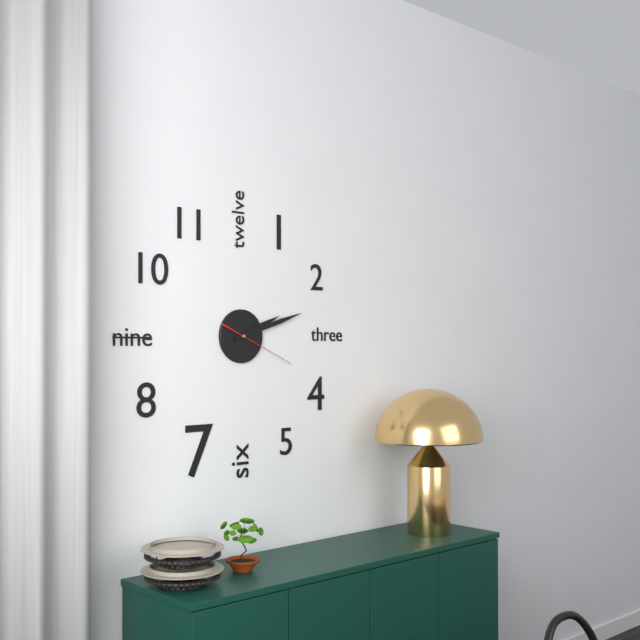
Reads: 2:12:19
